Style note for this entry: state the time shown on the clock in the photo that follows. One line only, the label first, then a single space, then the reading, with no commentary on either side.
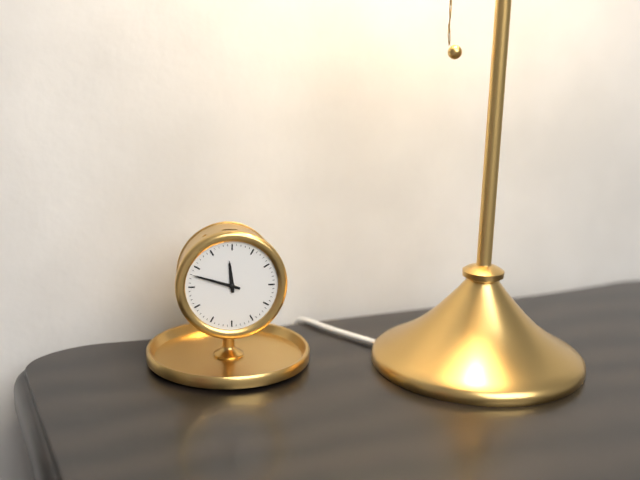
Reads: 11:48
